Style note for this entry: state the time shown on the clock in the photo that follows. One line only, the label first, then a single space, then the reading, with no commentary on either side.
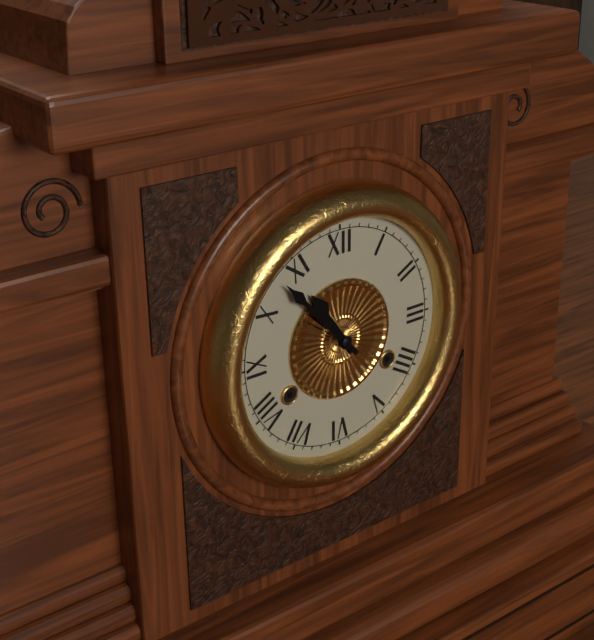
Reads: 10:53
